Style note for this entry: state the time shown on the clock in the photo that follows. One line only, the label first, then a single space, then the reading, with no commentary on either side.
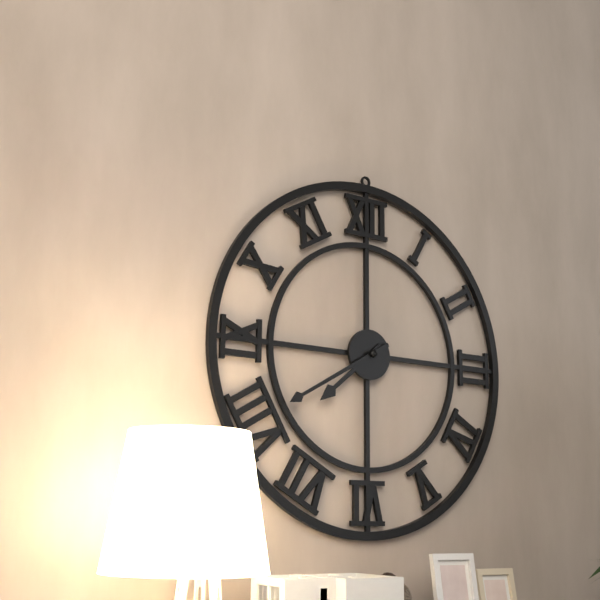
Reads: 7:40
